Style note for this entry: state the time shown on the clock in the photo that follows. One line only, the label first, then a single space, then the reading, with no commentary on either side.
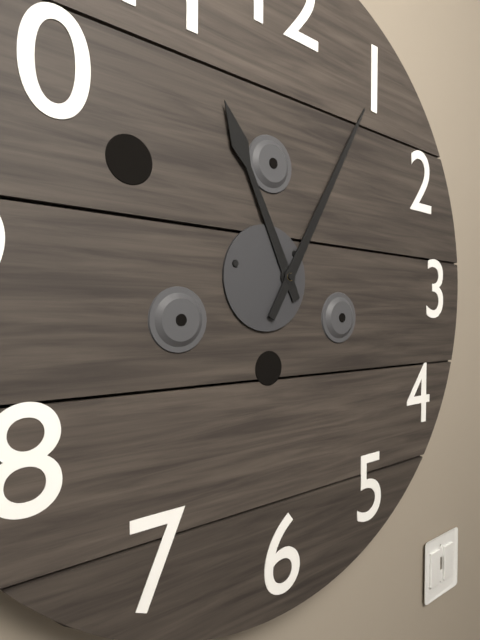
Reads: 11:05
